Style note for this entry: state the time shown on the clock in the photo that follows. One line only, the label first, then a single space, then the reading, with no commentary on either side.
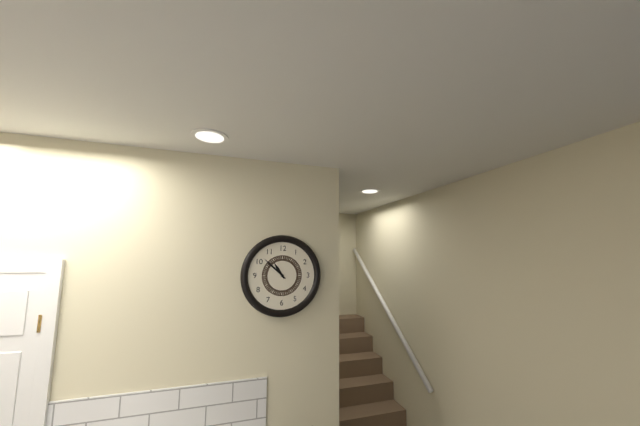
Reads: 10:52
